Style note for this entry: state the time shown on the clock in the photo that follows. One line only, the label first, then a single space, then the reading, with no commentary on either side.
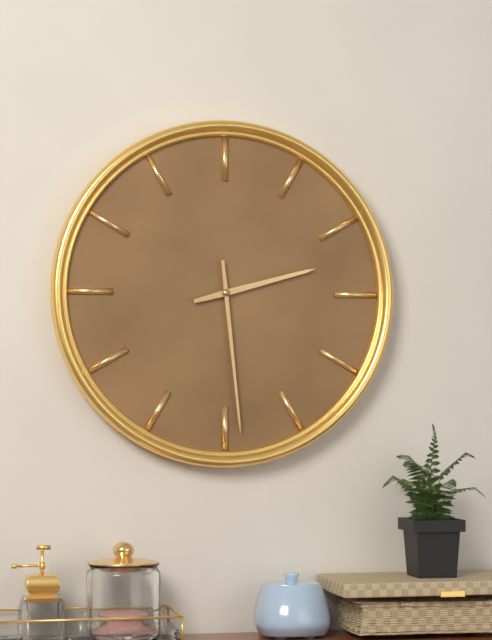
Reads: 2:29
